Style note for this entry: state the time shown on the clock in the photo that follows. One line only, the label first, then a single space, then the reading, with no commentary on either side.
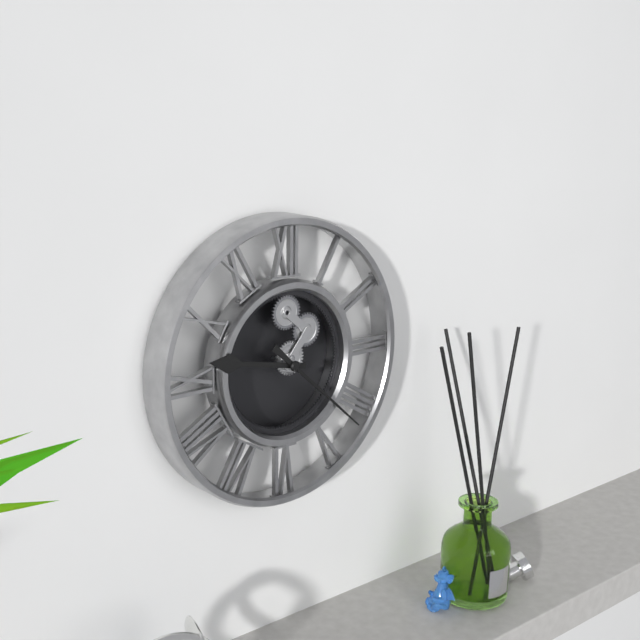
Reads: 9:22
